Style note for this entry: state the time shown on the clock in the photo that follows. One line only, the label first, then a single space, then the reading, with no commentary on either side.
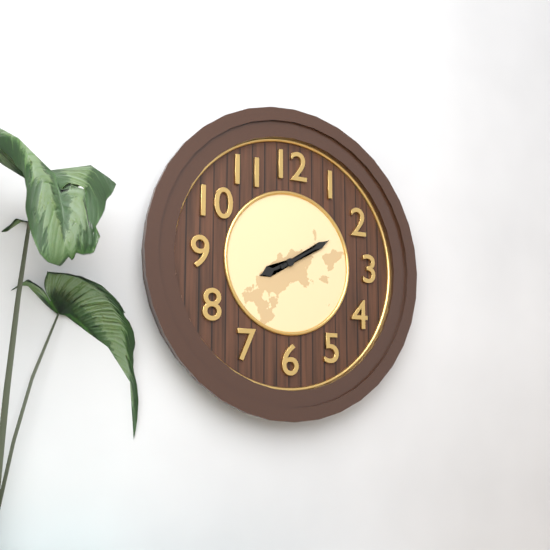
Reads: 8:10
